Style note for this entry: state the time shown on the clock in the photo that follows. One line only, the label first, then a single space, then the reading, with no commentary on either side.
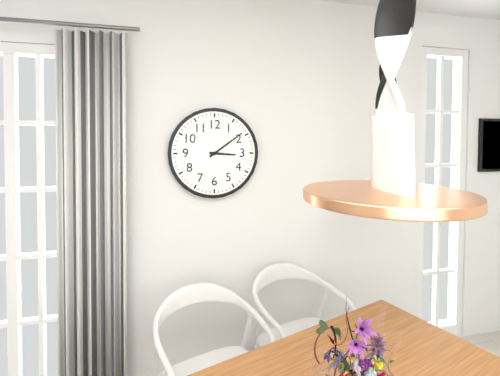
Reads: 3:09
